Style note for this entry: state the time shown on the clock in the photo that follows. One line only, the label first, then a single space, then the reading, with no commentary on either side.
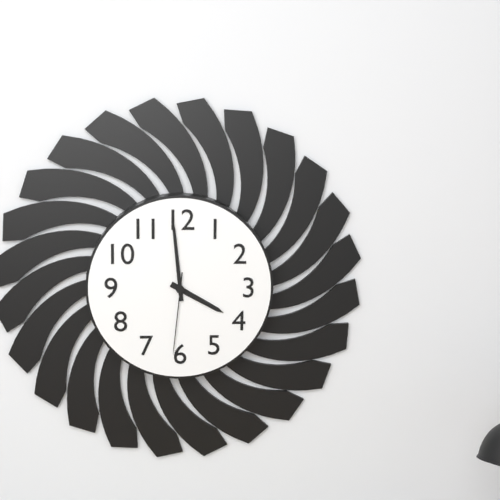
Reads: 3:59:31
